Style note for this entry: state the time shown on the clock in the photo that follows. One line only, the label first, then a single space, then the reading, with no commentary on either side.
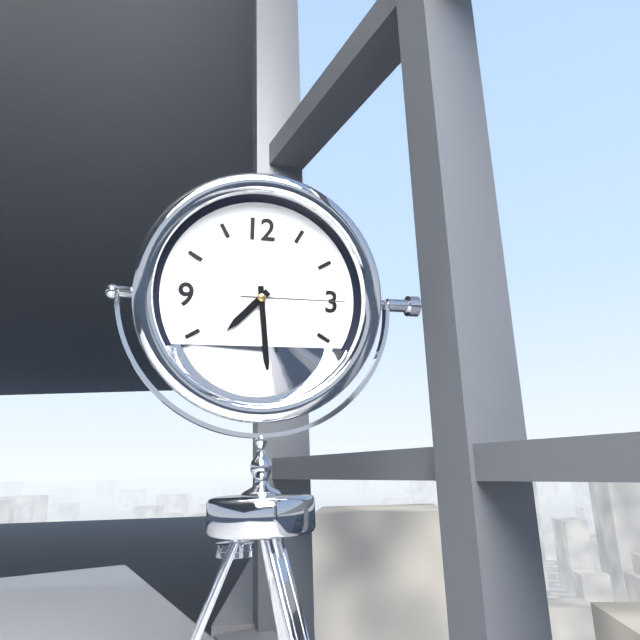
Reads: 7:29:15
